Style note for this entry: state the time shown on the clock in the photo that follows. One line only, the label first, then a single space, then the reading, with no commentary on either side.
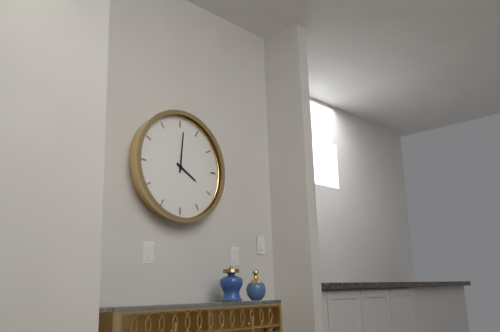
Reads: 4:01
